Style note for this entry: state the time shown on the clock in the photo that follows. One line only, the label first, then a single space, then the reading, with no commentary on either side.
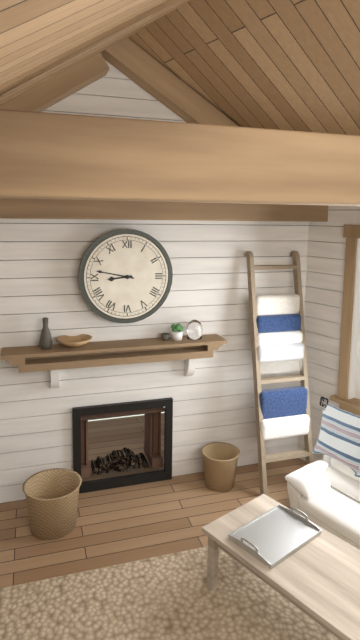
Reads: 8:47
